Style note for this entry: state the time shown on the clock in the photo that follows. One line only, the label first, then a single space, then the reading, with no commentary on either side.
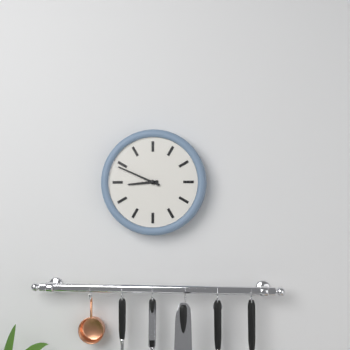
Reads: 8:49
